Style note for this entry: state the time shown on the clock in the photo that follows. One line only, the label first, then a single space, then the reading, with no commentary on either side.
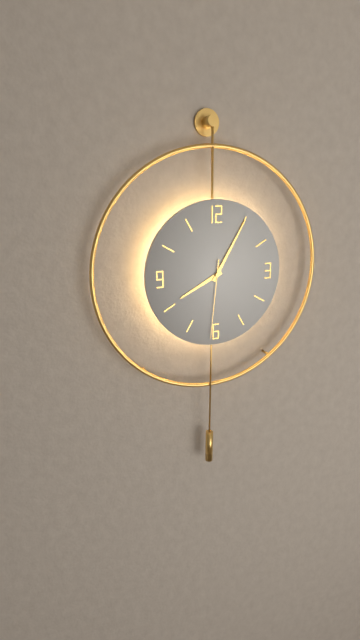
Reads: 8:05:31
